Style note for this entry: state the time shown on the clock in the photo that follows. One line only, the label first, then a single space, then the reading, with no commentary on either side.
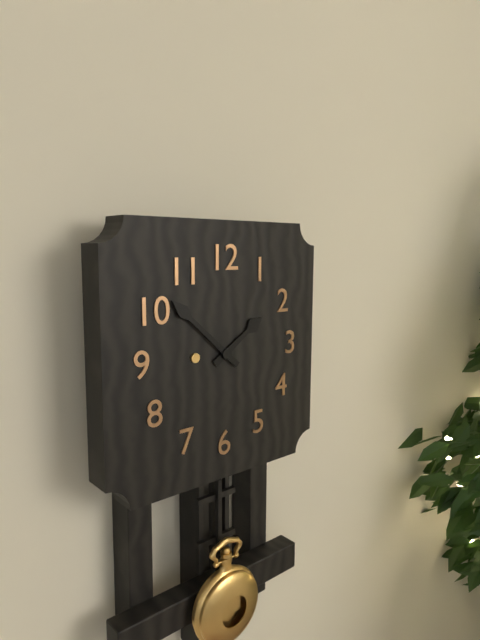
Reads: 1:52
